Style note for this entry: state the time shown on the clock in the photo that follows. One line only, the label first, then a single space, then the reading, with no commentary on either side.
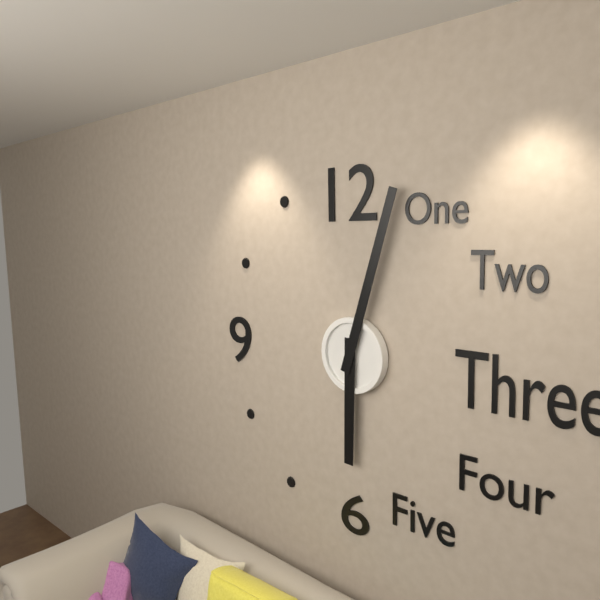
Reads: 6:03
